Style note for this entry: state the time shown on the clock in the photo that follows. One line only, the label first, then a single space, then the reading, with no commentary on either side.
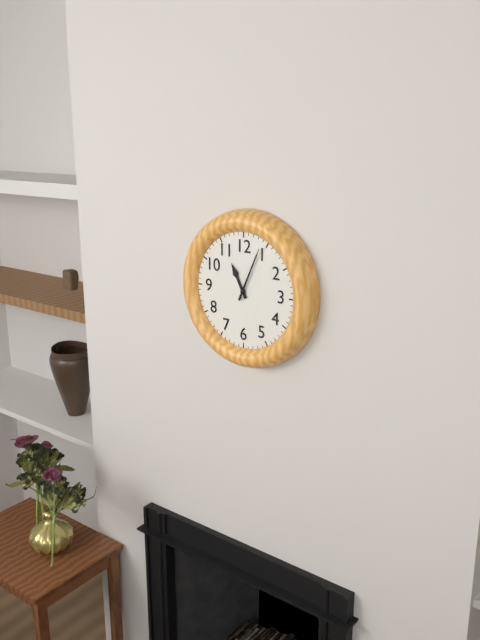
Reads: 11:04
